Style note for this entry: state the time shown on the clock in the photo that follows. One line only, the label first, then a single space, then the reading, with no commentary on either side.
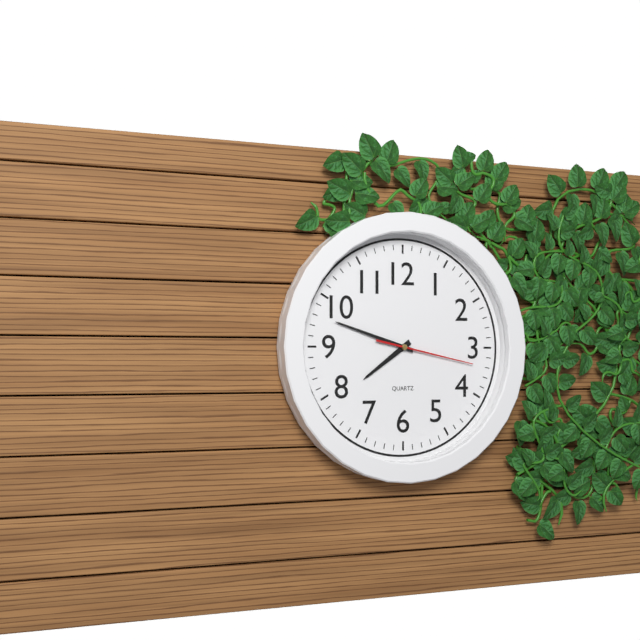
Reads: 7:48:17
